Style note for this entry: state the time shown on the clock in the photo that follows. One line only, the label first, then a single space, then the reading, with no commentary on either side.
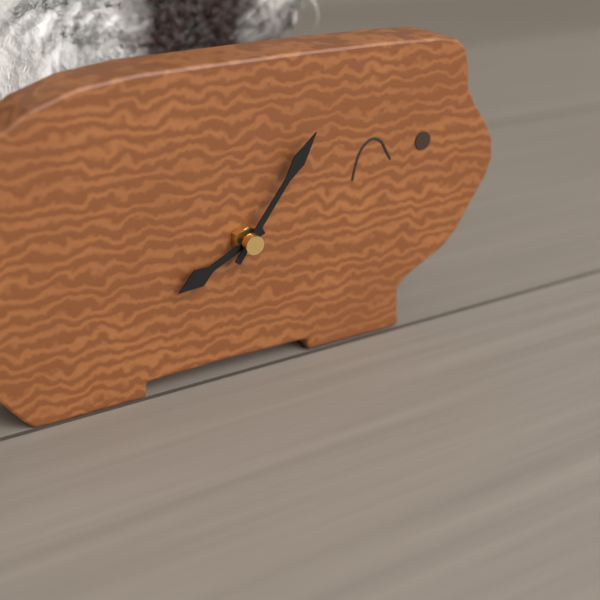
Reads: 8:06
